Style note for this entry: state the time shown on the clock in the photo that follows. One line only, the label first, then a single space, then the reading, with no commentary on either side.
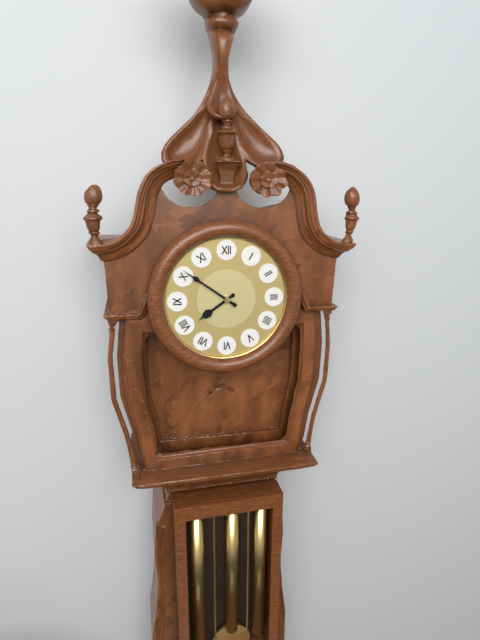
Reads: 7:51
